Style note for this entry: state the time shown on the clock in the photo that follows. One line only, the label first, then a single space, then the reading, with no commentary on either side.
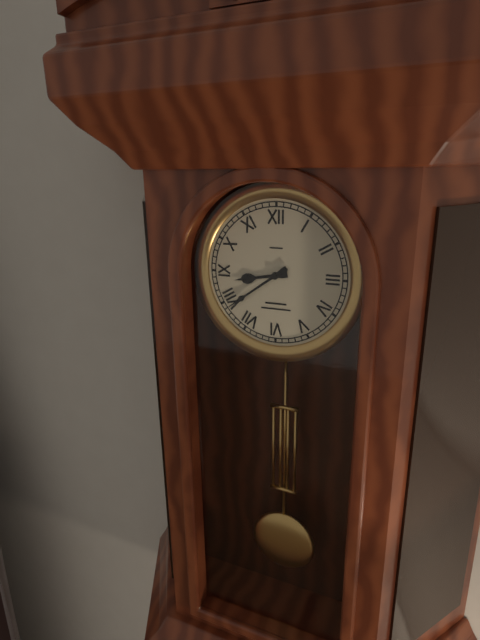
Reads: 8:39
